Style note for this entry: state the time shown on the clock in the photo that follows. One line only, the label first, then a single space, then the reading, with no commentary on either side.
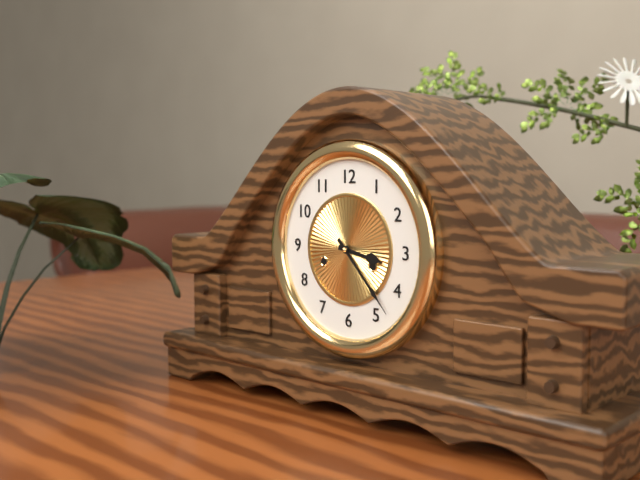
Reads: 3:23
